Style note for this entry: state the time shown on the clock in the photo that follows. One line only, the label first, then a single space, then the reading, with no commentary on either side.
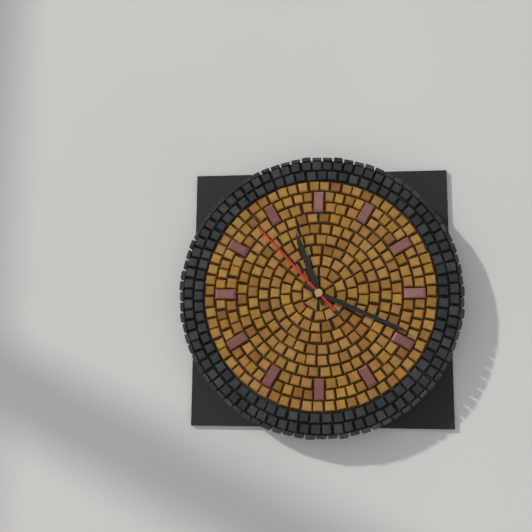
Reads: 11:19:53
